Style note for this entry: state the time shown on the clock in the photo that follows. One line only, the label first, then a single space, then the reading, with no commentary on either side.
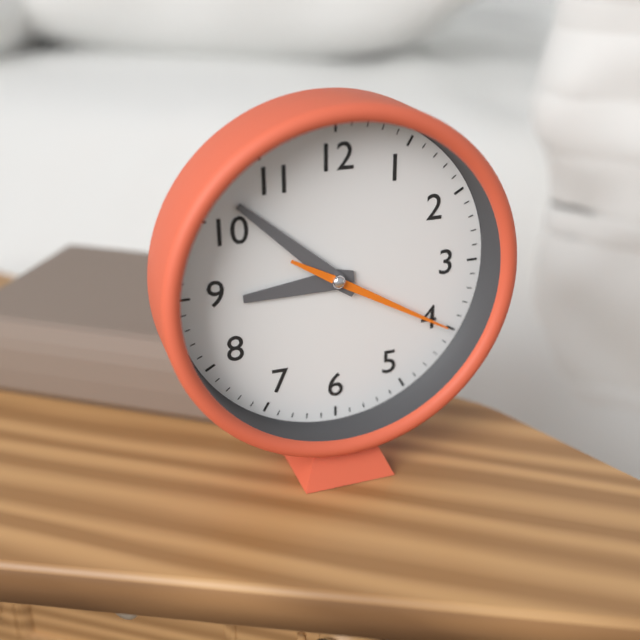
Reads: 8:52:20
